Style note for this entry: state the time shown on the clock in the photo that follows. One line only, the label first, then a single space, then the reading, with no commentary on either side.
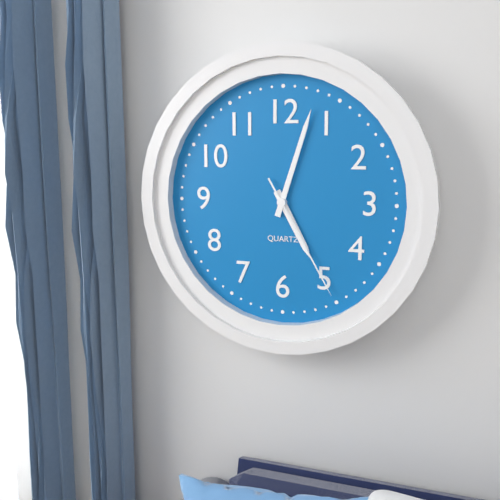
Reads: 5:03:25
